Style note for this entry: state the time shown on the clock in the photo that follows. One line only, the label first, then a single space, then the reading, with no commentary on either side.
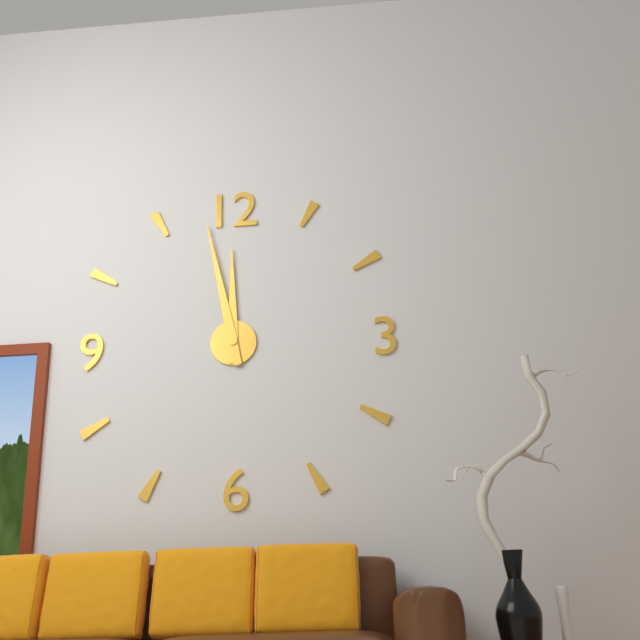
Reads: 11:58
